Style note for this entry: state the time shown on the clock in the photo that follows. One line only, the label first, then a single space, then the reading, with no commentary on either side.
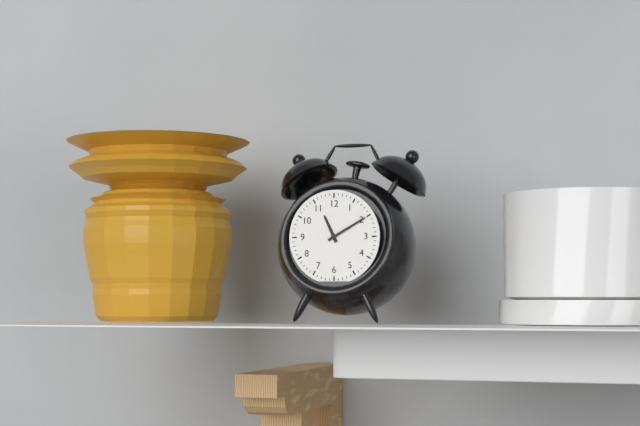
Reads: 11:10
